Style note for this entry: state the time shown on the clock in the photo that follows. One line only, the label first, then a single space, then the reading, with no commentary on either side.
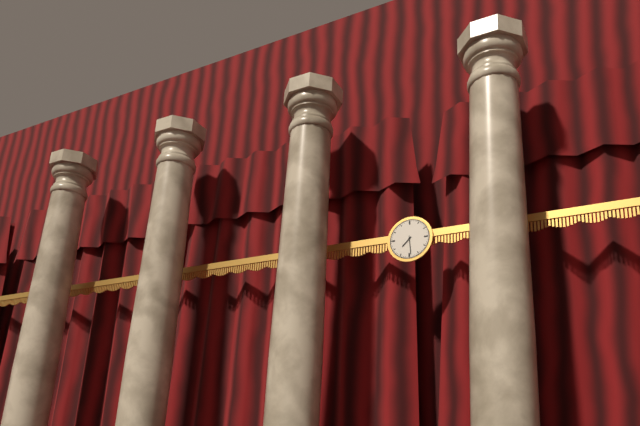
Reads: 7:29
